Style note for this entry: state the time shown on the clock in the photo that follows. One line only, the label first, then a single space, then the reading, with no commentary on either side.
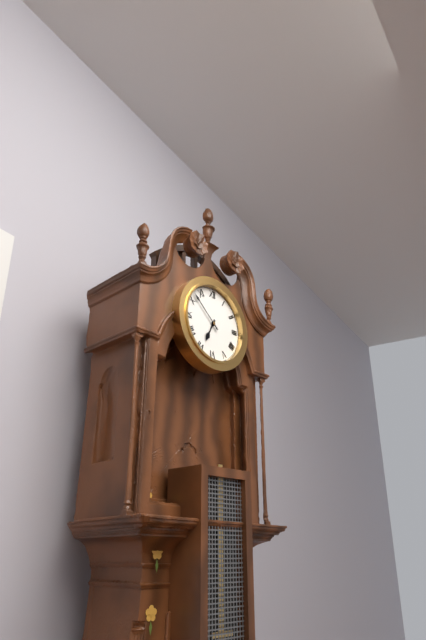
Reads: 6:52
